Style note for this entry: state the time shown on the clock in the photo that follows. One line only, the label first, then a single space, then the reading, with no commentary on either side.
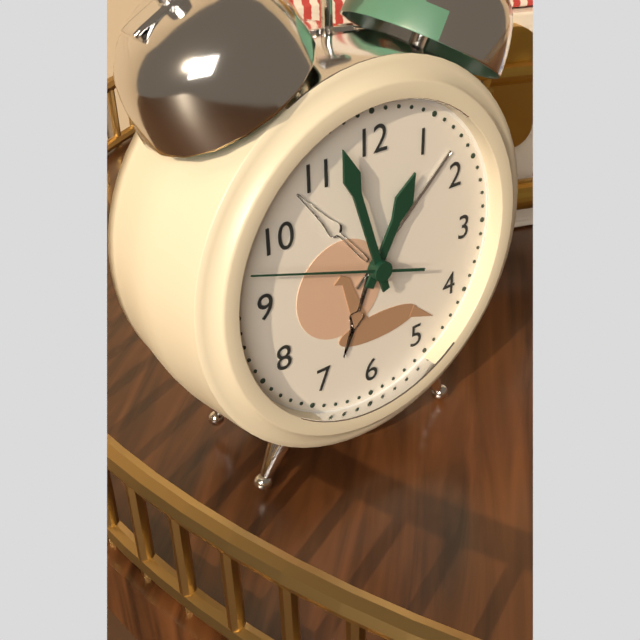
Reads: 12:57:48
